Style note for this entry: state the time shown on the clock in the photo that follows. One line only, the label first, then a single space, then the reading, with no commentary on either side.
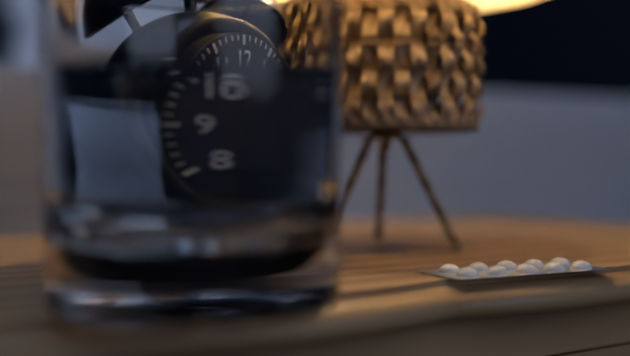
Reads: 7:09
